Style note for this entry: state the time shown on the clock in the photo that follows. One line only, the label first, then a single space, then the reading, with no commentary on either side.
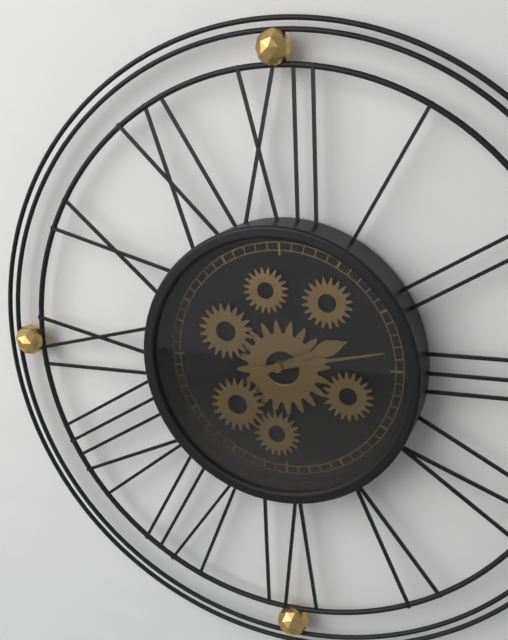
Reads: 2:13
